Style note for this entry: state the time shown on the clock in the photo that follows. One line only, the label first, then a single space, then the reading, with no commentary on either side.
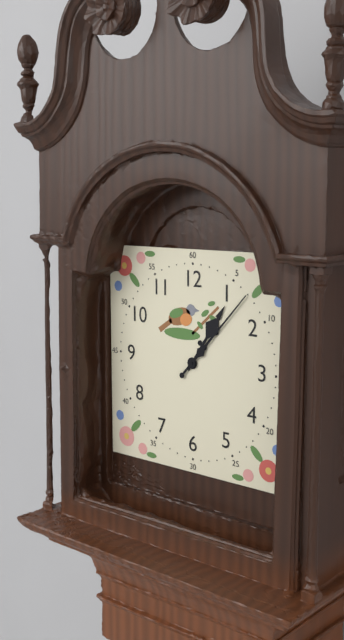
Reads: 1:07
